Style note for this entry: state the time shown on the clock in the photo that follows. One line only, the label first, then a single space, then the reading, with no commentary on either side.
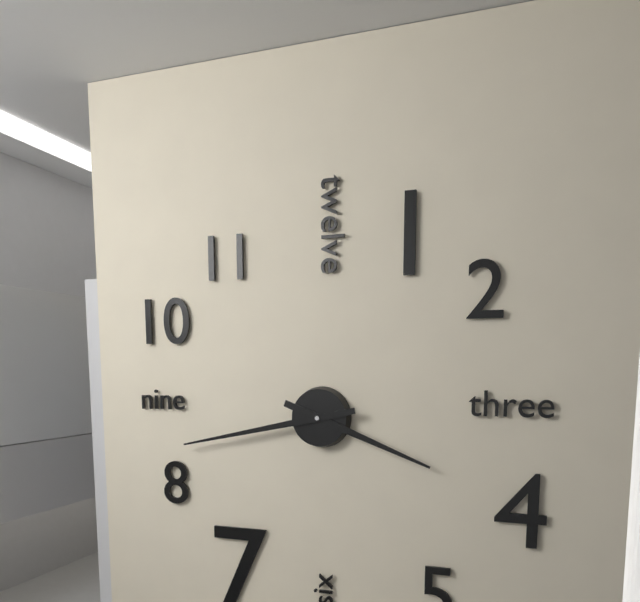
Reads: 3:43
